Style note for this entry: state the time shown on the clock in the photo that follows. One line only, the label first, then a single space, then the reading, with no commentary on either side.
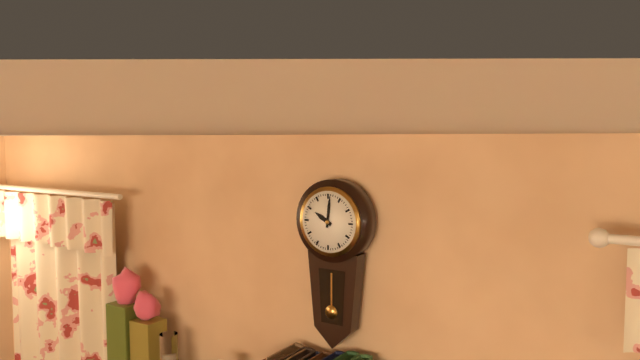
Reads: 10:01
